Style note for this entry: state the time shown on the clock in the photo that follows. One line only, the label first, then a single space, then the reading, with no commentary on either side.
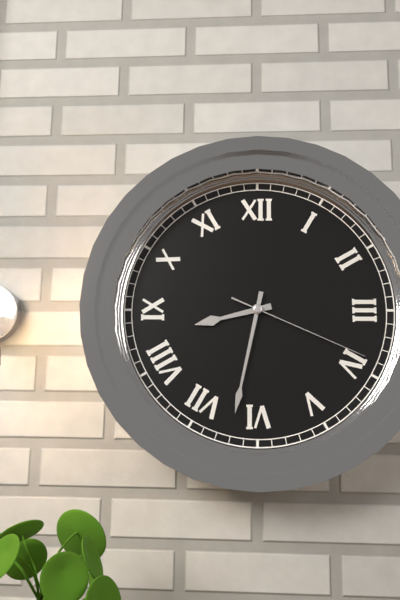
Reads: 8:32:19
